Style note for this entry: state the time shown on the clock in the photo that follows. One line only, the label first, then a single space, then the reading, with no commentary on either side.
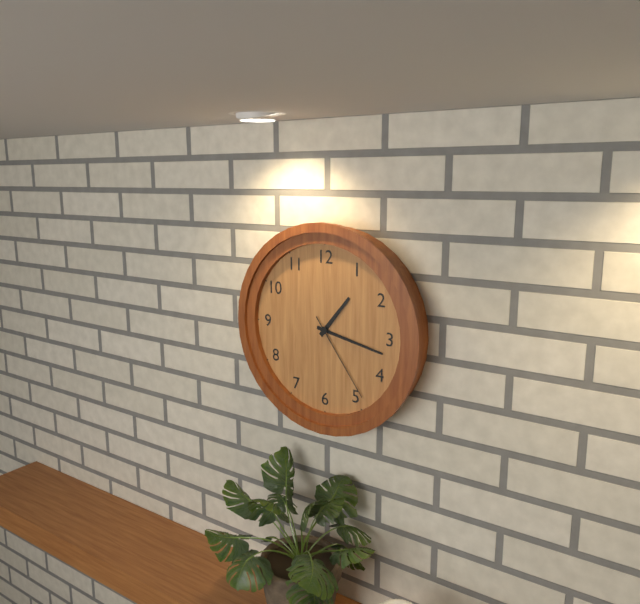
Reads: 1:17:24
